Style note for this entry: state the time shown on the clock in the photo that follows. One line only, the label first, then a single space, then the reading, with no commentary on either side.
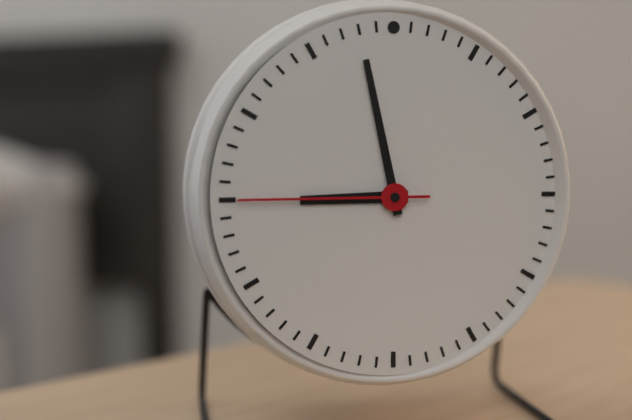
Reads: 8:58:45
